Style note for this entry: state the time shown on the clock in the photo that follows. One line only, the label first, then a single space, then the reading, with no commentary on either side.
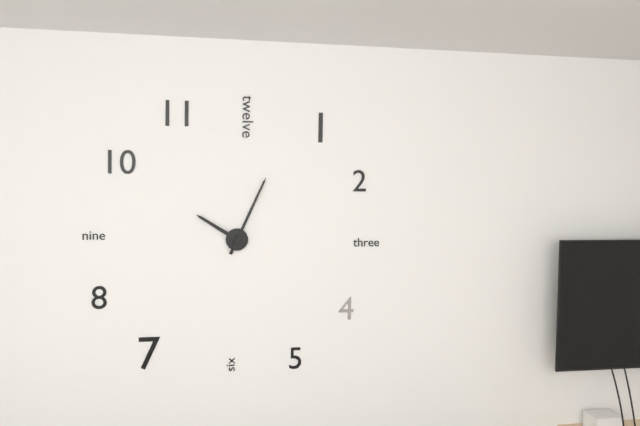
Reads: 10:04
